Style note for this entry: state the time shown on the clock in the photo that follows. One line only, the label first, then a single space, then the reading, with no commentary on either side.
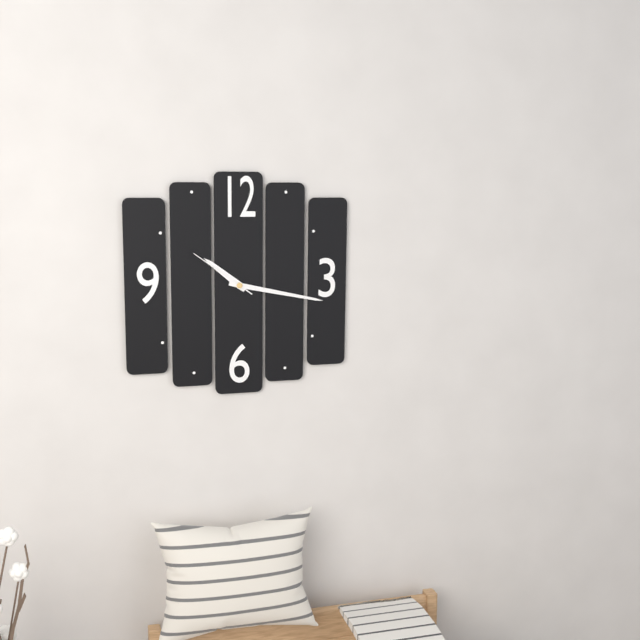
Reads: 10:17:51
